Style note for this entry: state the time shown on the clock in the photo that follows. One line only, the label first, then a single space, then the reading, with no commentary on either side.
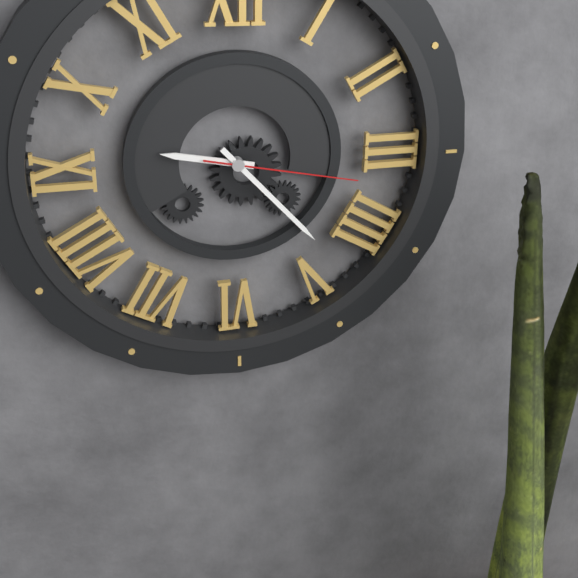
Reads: 9:23:17
